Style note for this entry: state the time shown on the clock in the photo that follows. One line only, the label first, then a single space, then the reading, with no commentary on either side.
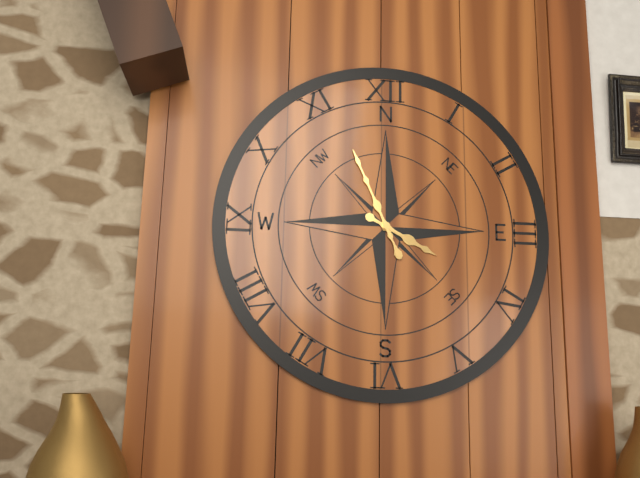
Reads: 3:56
